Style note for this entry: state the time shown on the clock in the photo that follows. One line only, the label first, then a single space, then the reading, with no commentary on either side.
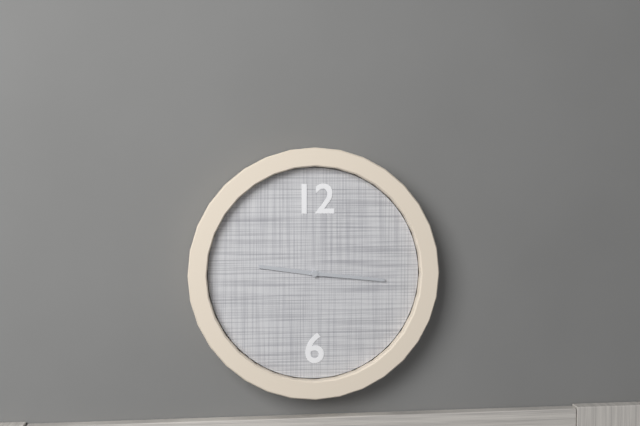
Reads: 9:16
